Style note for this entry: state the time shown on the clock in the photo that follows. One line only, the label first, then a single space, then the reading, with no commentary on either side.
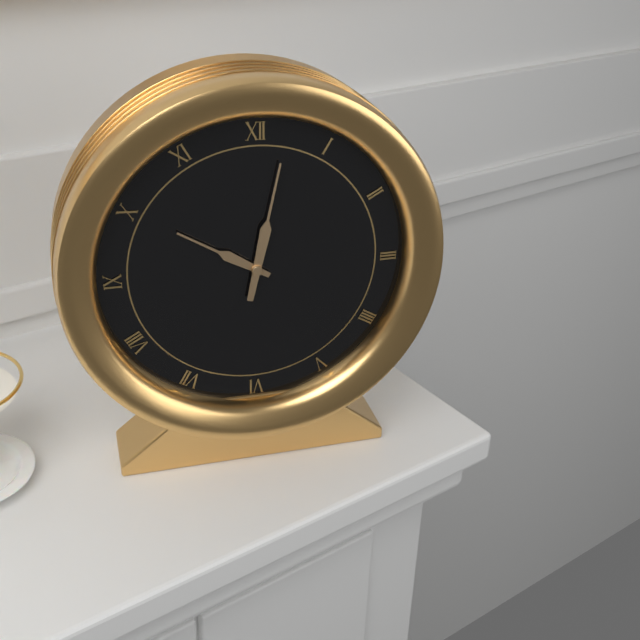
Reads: 10:02
